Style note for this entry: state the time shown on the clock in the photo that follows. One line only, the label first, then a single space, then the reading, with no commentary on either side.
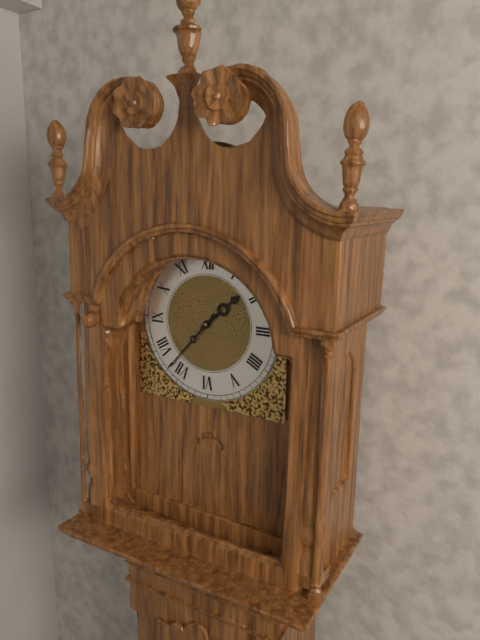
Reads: 1:37
